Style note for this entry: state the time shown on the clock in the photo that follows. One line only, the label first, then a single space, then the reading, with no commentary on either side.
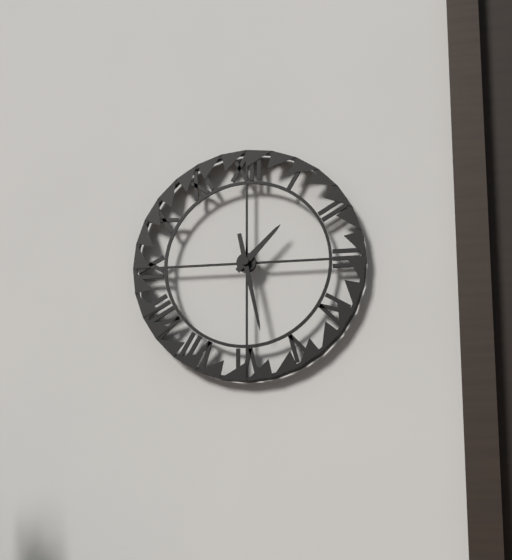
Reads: 1:28
